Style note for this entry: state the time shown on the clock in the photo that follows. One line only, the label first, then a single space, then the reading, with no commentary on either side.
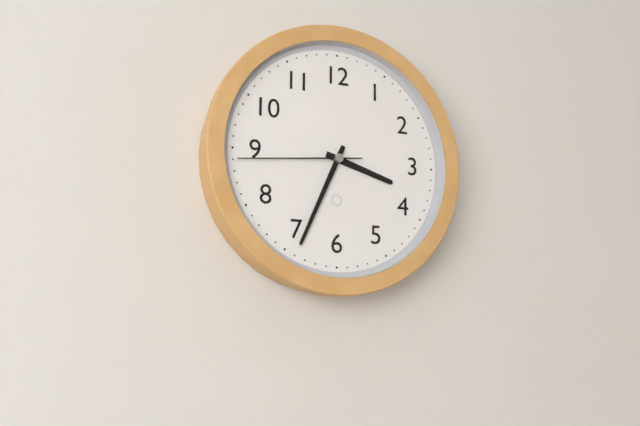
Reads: 3:34:44
